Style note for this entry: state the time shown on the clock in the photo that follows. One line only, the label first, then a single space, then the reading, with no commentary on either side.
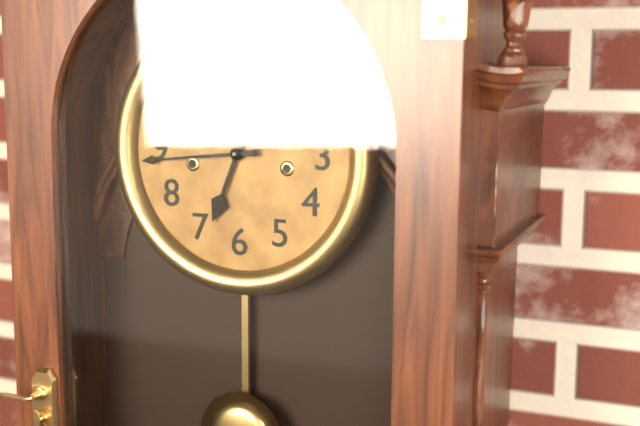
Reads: 6:44
